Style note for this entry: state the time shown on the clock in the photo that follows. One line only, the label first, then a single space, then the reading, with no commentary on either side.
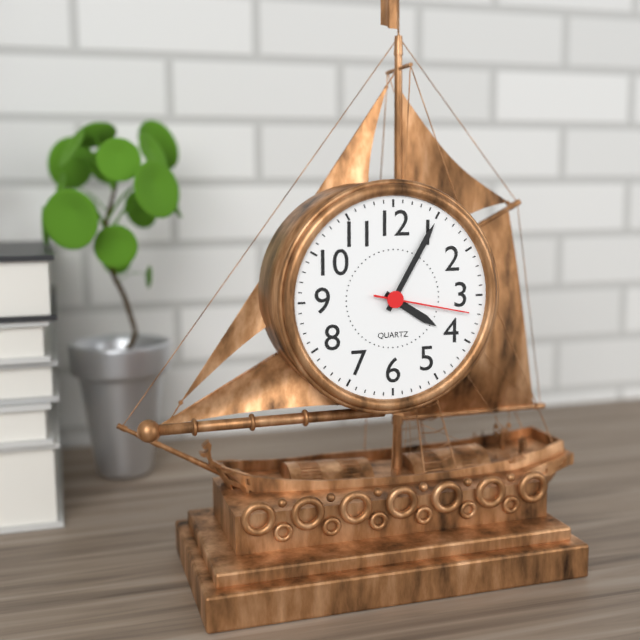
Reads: 4:05:17
